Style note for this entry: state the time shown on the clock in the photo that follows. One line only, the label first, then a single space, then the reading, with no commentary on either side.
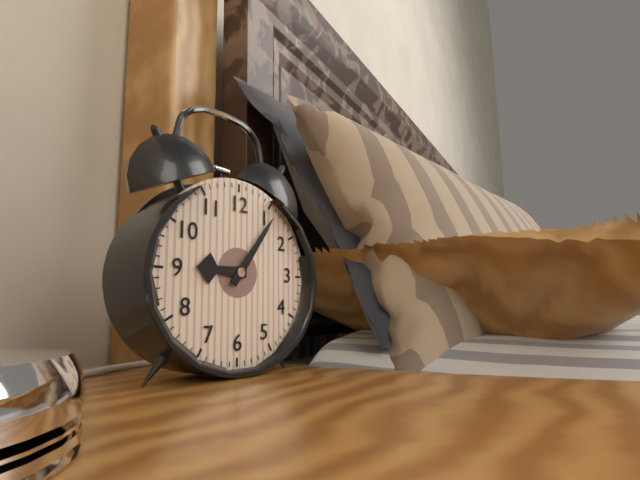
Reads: 9:06
